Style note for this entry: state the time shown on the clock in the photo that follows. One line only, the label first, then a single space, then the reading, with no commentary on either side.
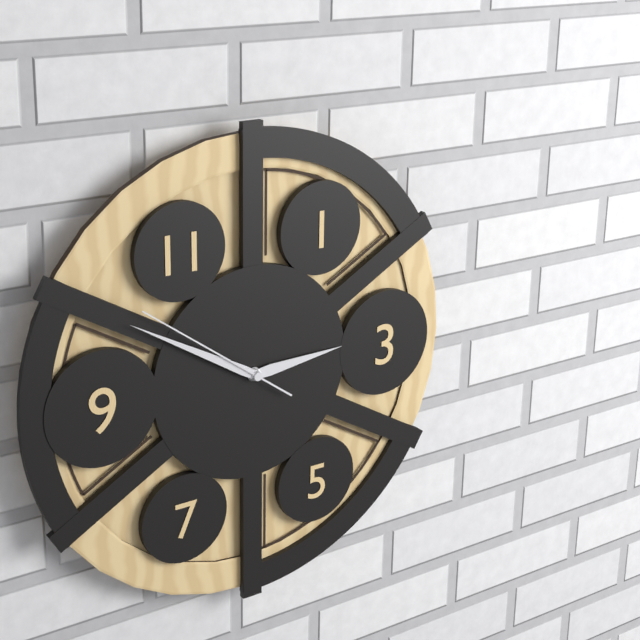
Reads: 2:50:51
